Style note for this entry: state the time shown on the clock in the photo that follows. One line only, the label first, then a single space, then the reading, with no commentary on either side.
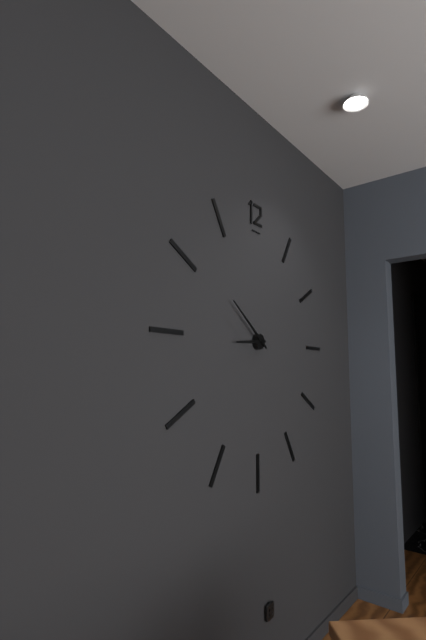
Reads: 8:51
